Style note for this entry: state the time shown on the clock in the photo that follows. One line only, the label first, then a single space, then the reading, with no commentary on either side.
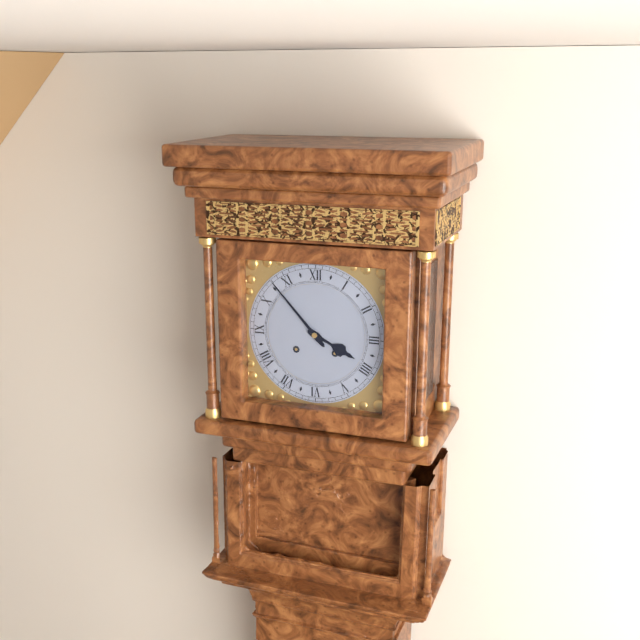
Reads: 3:53
